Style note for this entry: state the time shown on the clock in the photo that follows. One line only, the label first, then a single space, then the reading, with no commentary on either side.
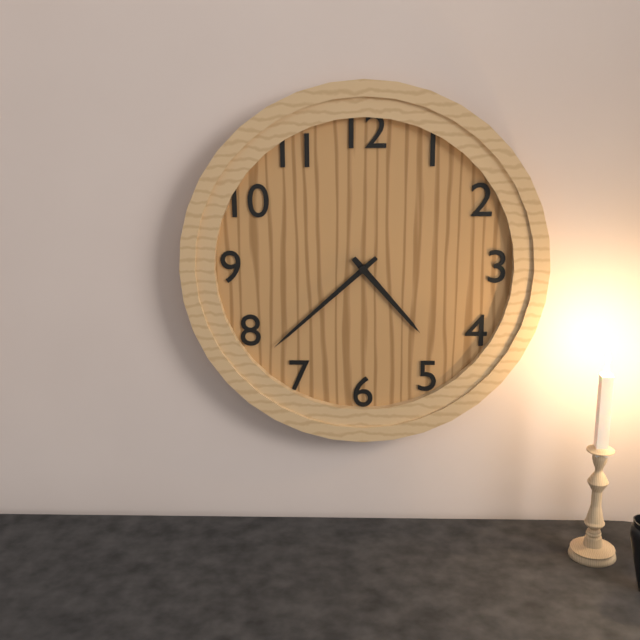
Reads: 4:38
